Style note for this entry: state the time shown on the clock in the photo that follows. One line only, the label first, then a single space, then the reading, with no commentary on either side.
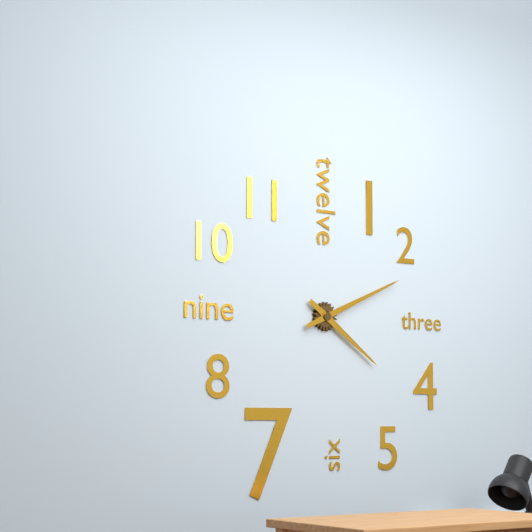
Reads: 4:11
